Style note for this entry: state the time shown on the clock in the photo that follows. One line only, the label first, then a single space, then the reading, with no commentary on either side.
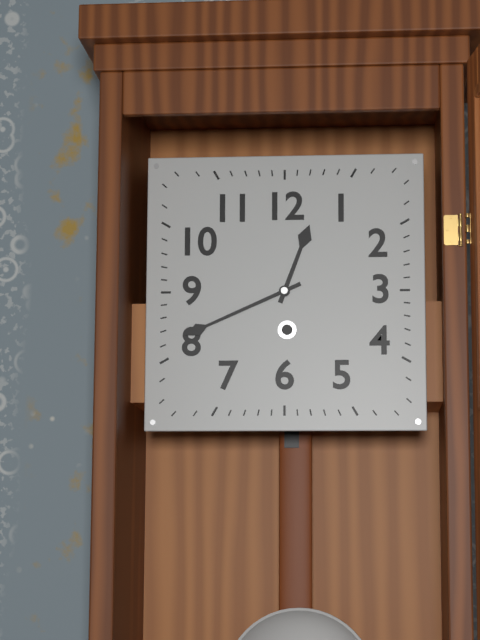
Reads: 12:41
